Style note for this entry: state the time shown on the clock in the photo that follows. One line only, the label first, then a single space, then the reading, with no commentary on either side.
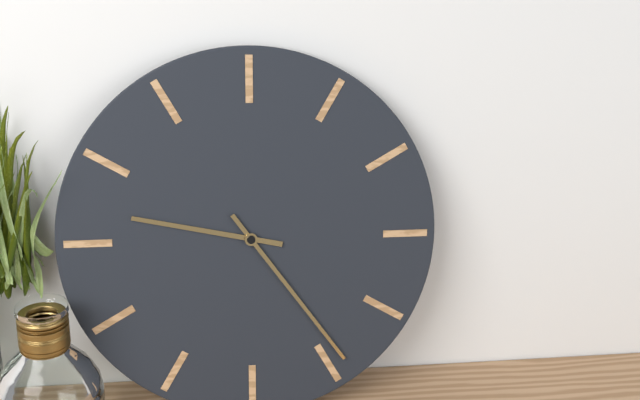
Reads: 9:24
